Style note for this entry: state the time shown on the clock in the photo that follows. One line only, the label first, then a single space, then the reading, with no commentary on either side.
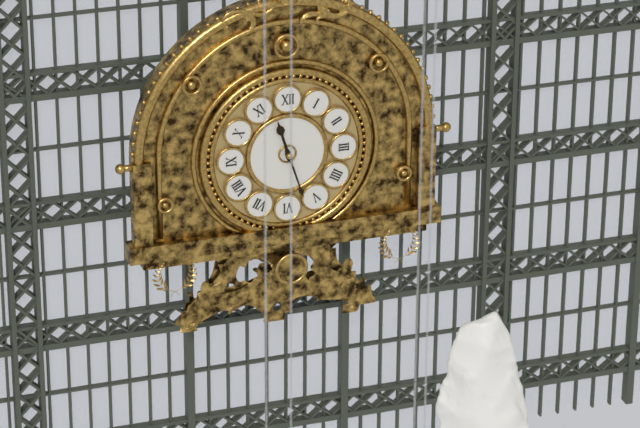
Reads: 11:27
